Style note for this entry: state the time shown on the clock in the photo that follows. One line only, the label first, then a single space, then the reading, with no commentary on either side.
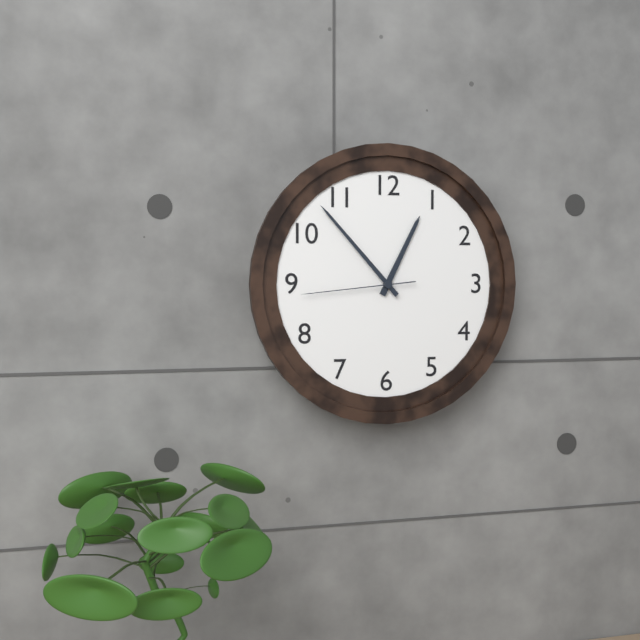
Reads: 12:53:44
